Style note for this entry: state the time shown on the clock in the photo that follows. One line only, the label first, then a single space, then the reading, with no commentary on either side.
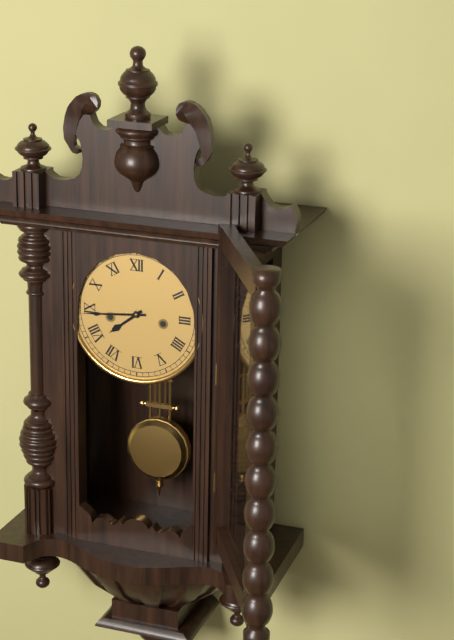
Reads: 7:44
